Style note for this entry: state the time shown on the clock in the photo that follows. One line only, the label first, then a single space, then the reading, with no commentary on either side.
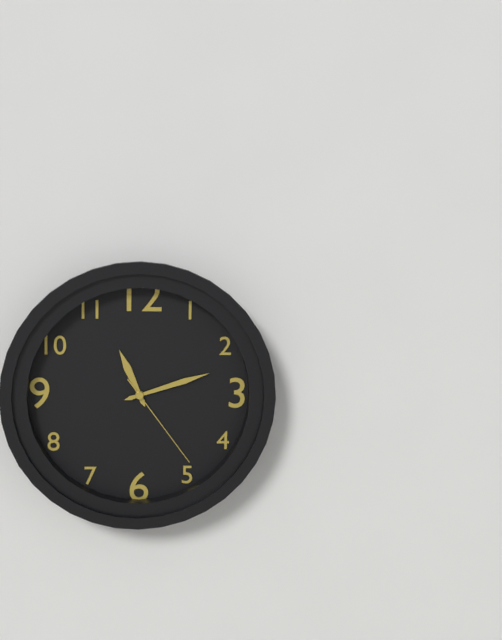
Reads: 11:12:24
